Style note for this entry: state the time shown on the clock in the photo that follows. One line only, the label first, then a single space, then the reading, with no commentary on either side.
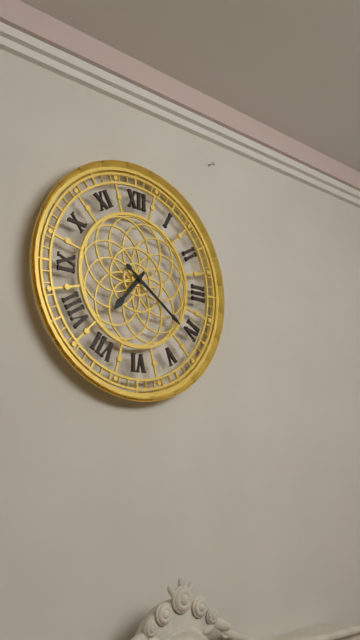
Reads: 7:21
